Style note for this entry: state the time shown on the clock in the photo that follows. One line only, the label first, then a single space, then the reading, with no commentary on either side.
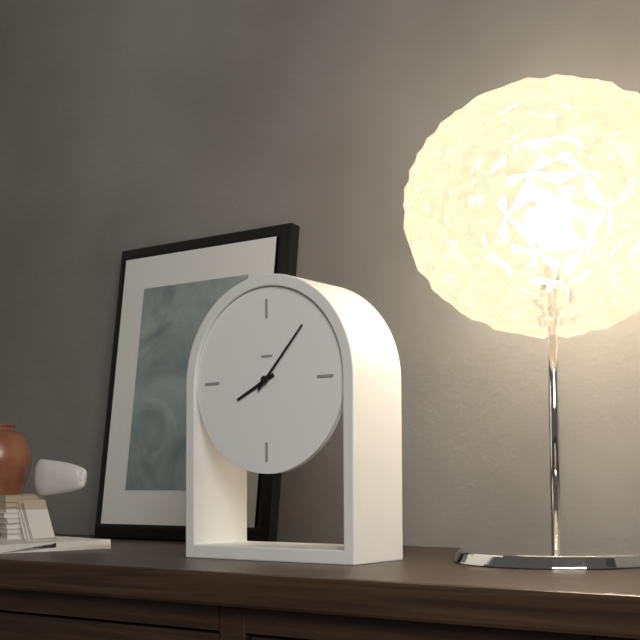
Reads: 8:07
